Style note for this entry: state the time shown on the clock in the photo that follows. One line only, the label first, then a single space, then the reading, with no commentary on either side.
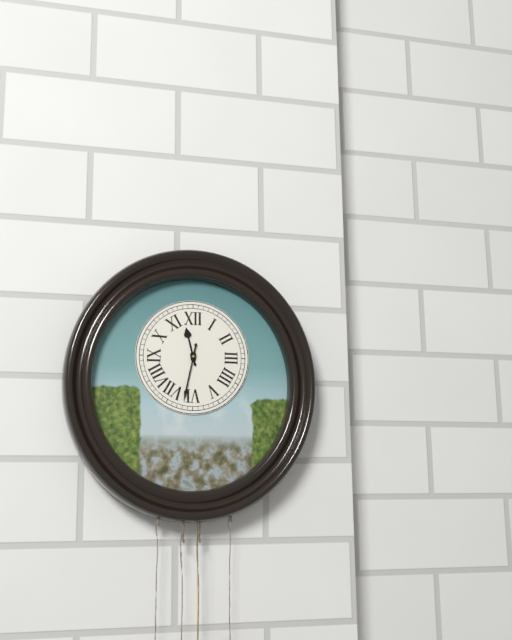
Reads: 11:32
